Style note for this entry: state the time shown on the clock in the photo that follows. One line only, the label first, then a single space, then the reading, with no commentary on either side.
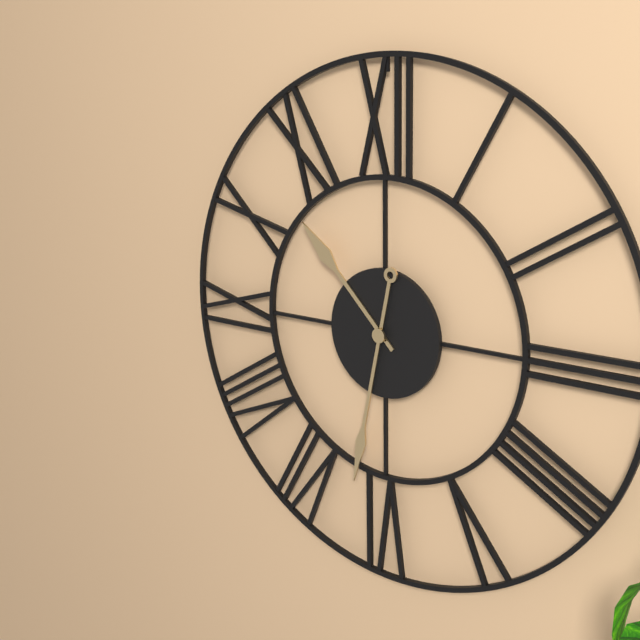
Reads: 10:32
